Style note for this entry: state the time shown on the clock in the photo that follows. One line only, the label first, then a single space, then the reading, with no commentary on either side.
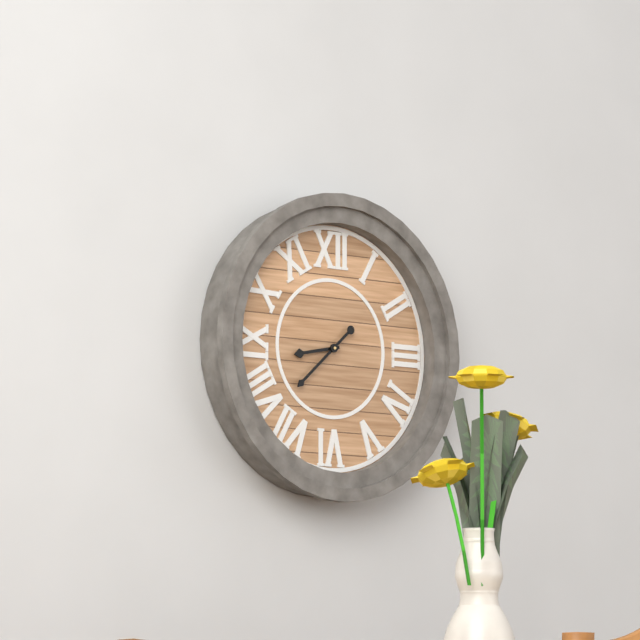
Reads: 8:38
